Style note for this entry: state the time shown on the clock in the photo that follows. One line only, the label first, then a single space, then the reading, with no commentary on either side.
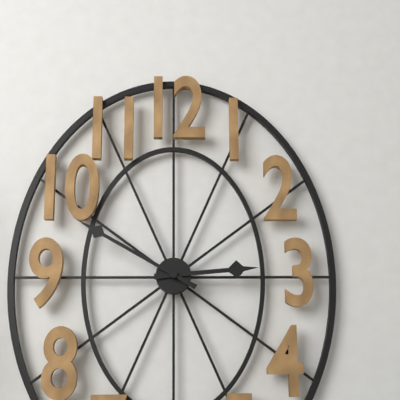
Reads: 2:50
